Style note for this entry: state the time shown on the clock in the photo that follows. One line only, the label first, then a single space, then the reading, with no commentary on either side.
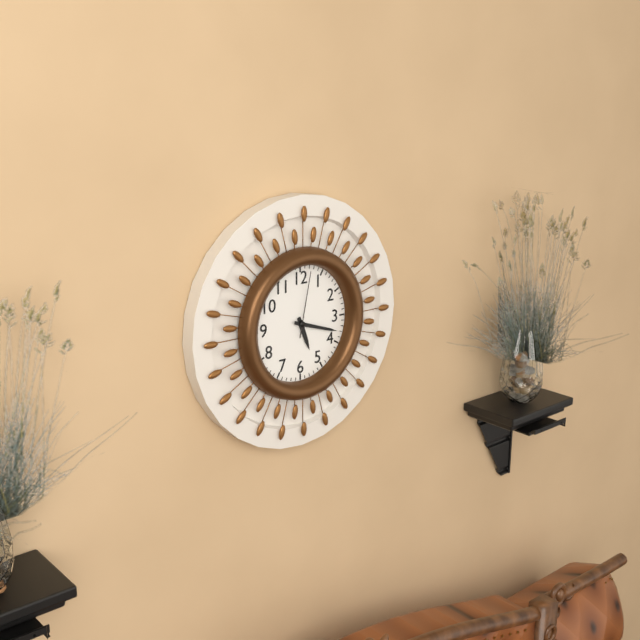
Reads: 5:18:02
